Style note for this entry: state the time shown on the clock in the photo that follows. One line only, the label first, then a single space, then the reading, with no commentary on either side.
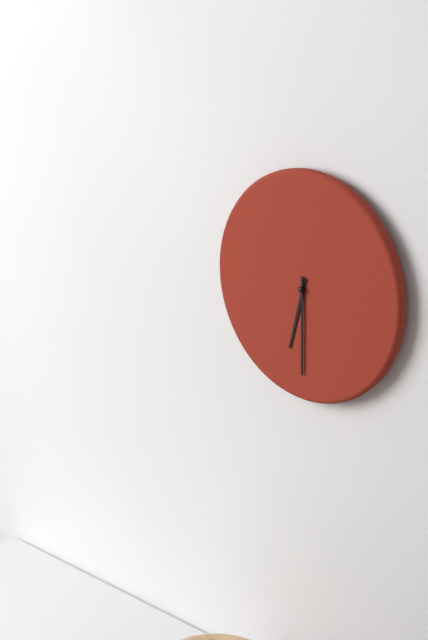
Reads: 6:30
